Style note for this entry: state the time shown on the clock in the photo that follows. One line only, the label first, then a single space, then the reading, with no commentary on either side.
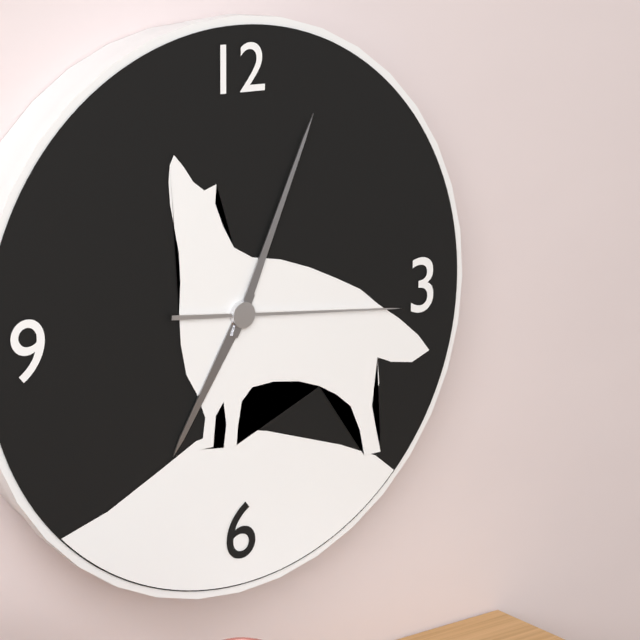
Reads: 7:04:16
